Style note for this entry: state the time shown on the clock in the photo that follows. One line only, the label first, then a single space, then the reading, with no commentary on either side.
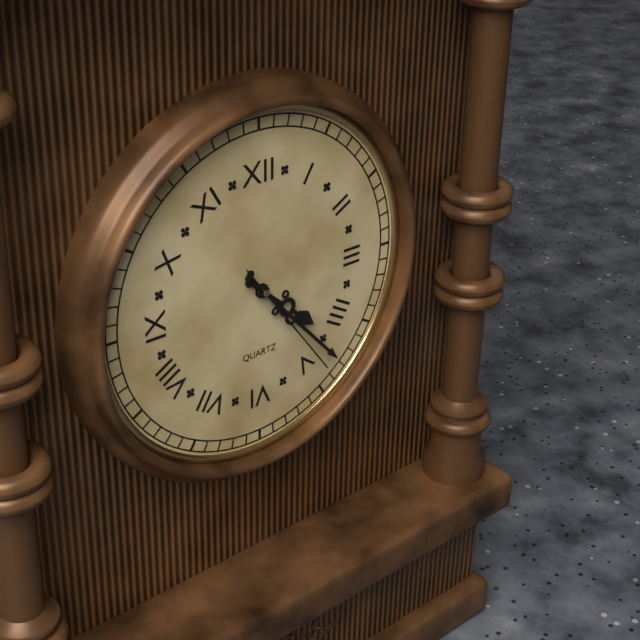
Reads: 4:23:24
